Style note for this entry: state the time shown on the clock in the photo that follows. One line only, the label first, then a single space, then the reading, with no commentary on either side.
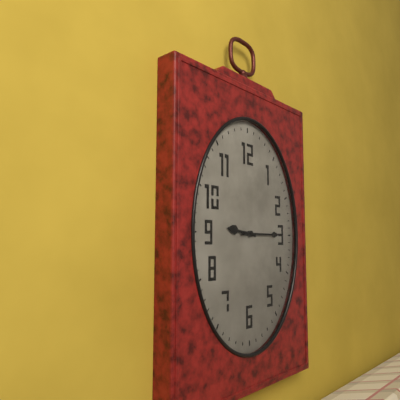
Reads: 9:15
